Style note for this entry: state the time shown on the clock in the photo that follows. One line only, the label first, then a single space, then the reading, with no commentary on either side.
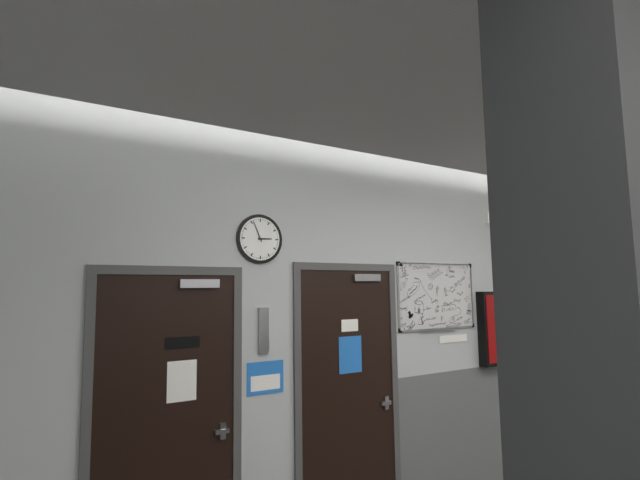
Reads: 2:56
